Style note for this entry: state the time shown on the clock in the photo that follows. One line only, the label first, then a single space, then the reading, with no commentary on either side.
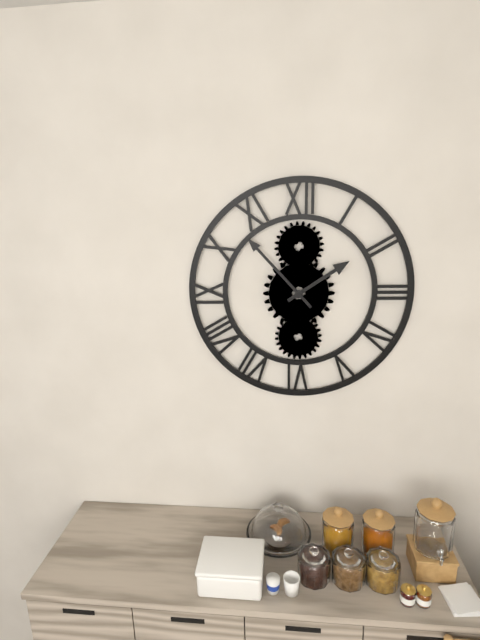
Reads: 1:53
